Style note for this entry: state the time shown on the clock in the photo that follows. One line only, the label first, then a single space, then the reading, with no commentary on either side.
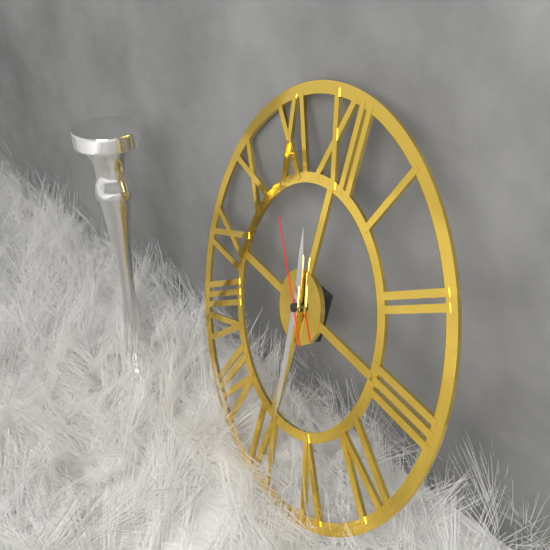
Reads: 11:29:53
